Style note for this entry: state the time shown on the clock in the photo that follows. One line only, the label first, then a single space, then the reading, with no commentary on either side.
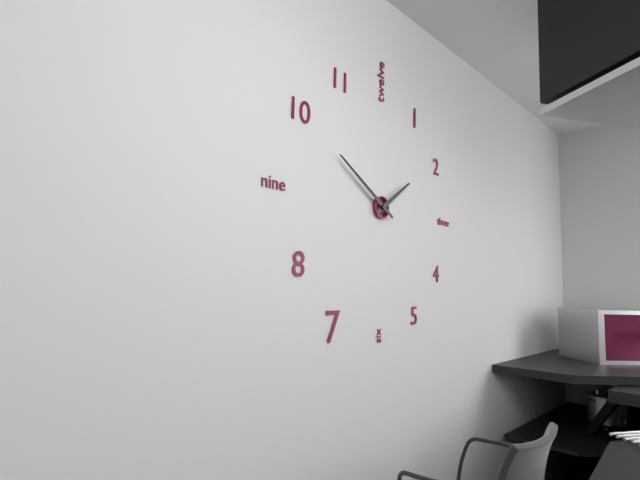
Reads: 1:50
